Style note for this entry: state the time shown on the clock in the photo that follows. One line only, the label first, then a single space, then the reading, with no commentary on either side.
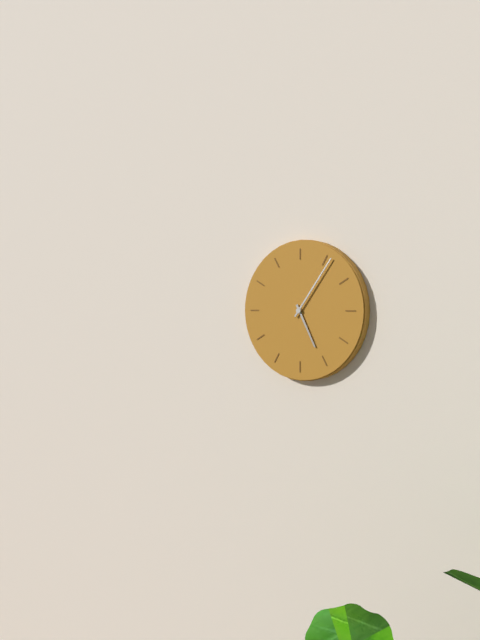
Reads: 5:06
